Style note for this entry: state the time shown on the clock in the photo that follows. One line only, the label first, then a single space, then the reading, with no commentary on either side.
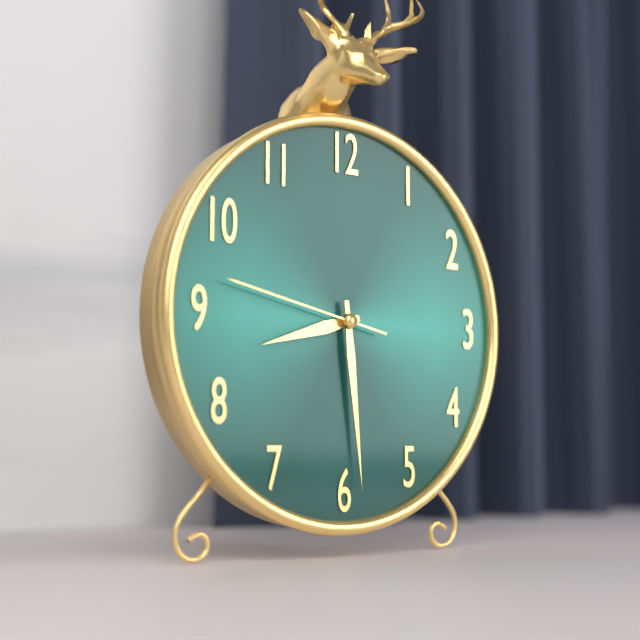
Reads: 8:29:47
